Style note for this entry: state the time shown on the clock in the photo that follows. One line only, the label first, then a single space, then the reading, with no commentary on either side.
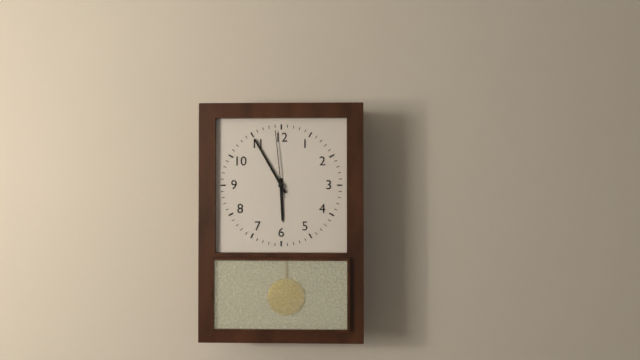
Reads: 5:55:59
